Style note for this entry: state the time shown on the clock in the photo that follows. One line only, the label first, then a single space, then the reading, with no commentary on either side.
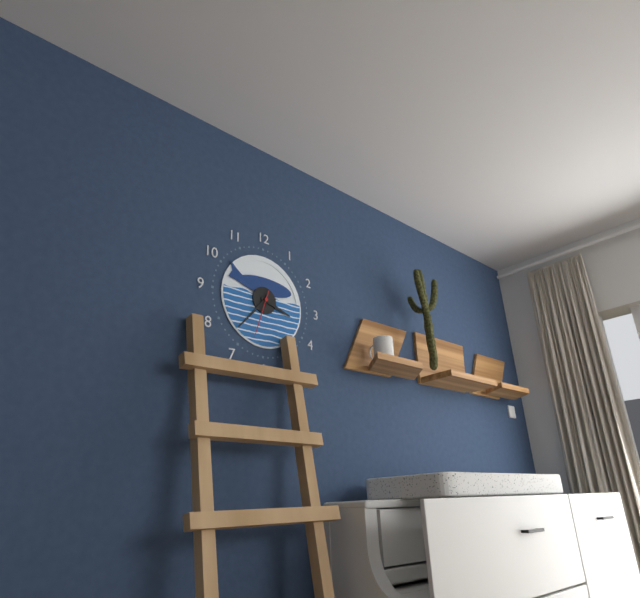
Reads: 3:37
